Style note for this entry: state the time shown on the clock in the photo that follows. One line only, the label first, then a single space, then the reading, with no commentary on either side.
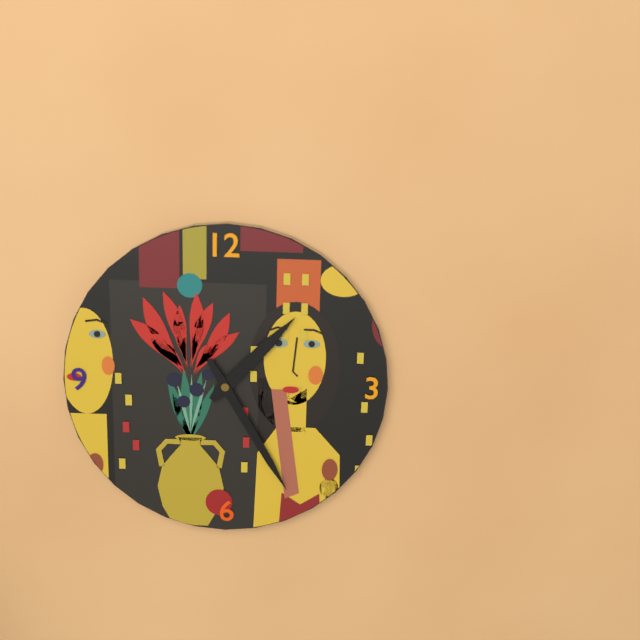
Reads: 1:25
